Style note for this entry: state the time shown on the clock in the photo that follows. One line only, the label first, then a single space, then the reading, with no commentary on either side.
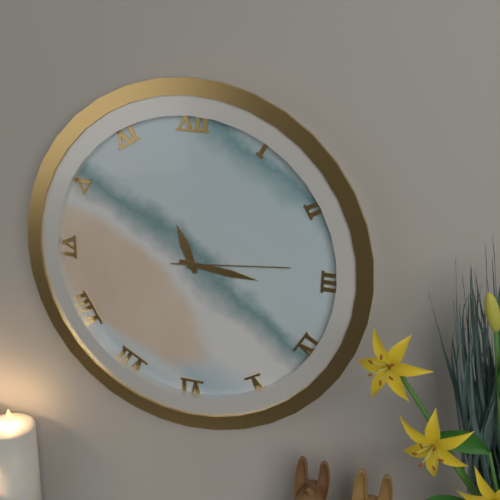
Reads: 11:16:14
